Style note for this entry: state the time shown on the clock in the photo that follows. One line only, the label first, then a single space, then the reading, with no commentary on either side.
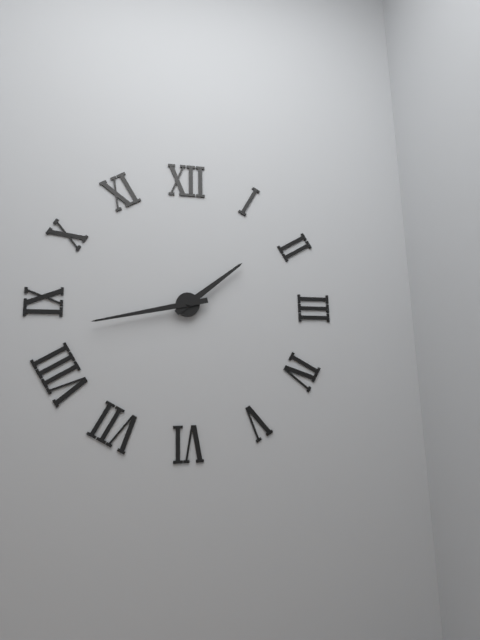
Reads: 1:43
